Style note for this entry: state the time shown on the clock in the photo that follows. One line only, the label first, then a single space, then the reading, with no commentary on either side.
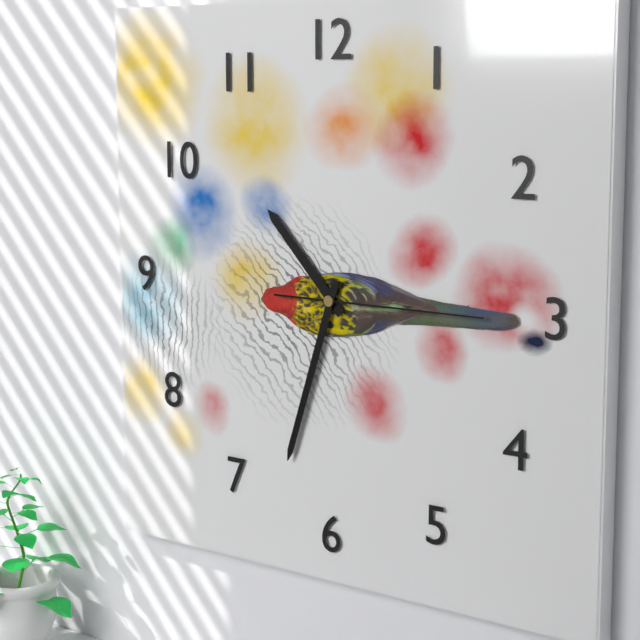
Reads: 10:33:15
